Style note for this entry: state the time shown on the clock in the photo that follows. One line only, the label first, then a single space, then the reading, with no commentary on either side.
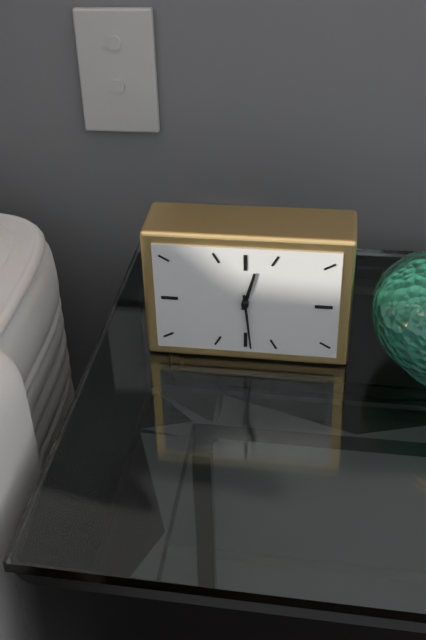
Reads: 12:29
